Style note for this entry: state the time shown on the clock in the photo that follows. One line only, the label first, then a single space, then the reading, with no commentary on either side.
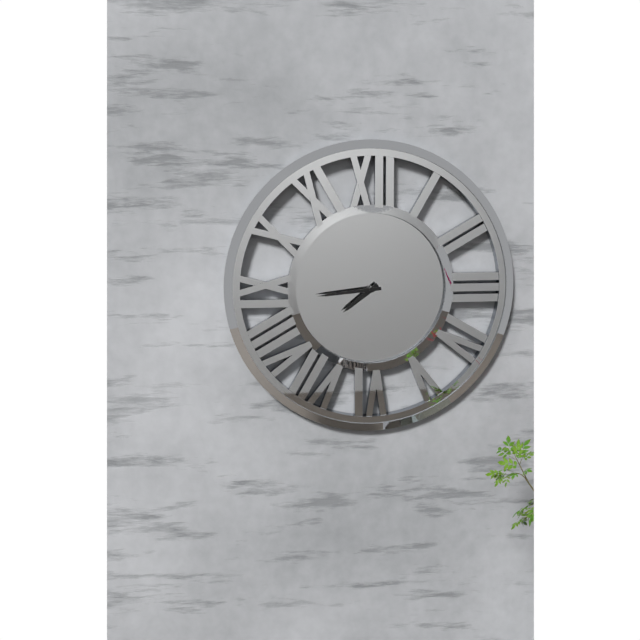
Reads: 7:44
